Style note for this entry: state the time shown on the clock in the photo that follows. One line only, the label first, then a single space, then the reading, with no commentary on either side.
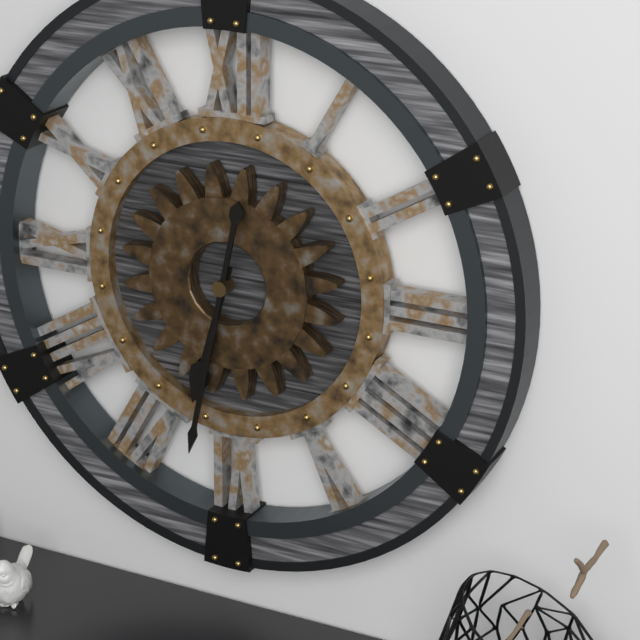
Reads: 6:32
